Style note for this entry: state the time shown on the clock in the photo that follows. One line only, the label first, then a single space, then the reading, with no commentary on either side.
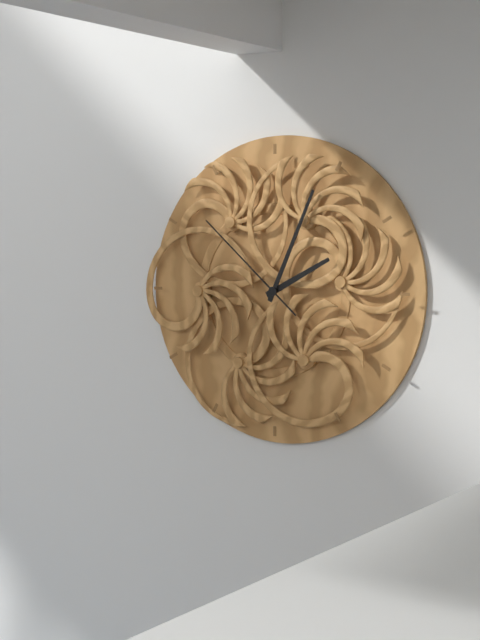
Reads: 2:04:52
